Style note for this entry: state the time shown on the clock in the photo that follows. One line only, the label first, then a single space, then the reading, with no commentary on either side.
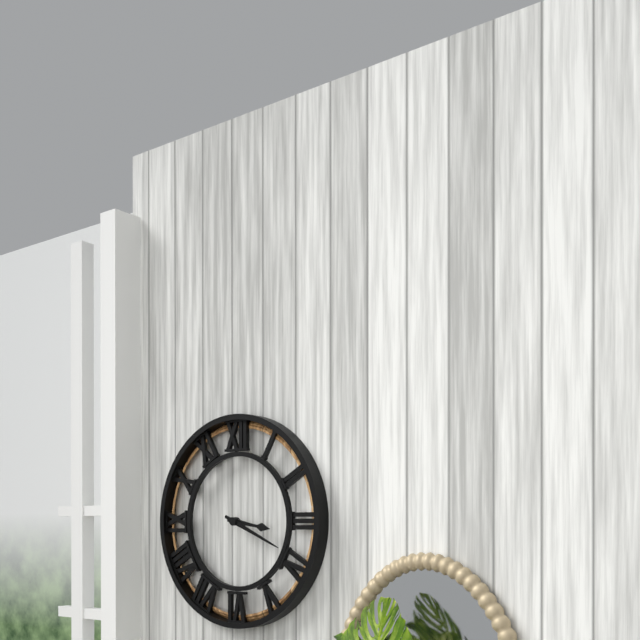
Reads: 3:19
